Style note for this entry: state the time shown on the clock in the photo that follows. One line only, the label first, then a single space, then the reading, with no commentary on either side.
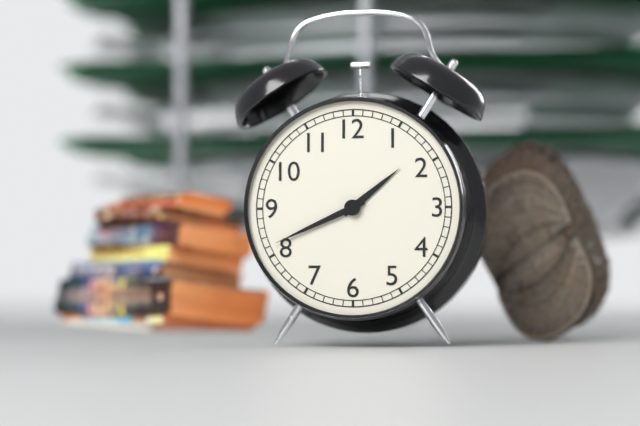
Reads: 1:41
